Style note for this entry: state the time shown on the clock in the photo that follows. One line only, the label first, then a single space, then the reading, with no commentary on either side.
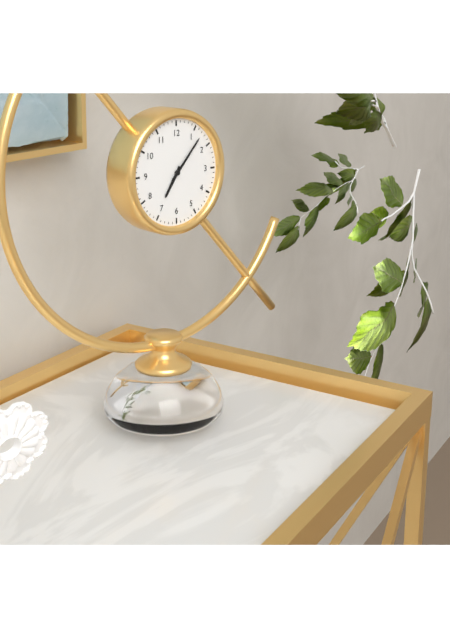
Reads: 7:07
